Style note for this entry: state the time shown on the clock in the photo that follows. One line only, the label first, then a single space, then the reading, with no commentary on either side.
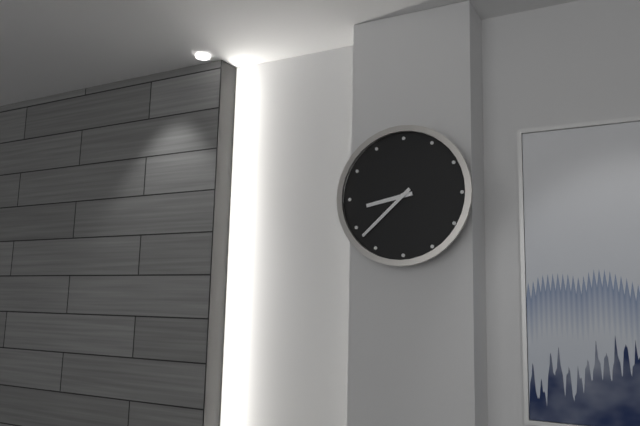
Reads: 8:38
